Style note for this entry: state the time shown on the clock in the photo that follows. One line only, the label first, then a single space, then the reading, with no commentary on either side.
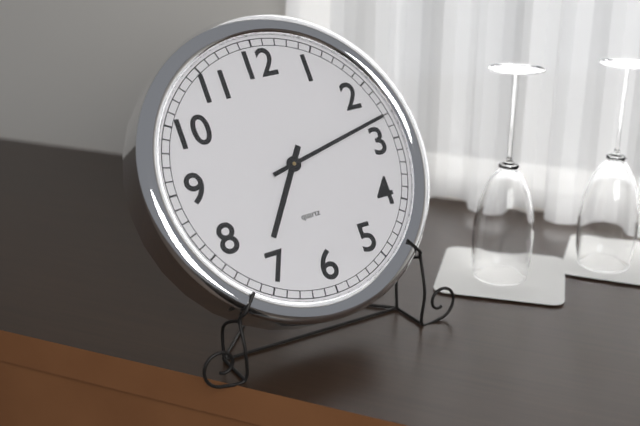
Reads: 7:13
